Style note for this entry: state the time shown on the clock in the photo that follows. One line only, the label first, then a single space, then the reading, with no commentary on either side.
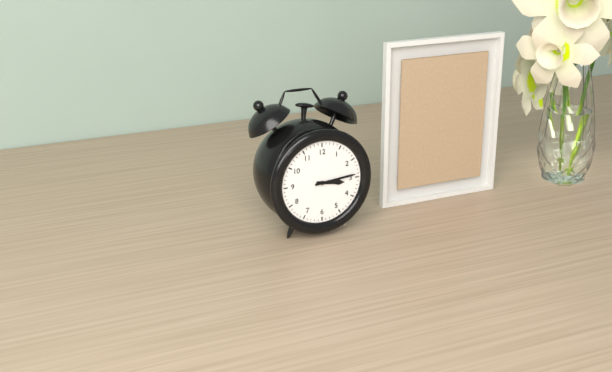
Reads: 3:14
